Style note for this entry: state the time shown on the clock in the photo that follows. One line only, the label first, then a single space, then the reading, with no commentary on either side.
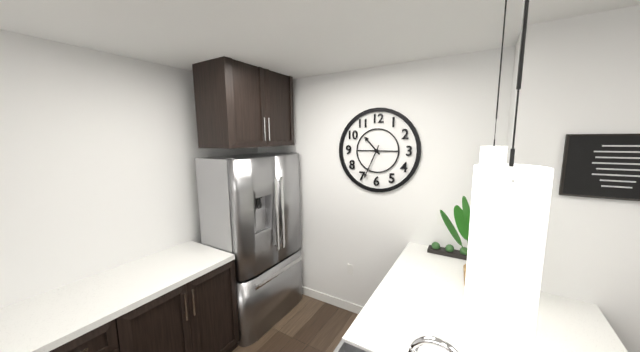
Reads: 10:34
